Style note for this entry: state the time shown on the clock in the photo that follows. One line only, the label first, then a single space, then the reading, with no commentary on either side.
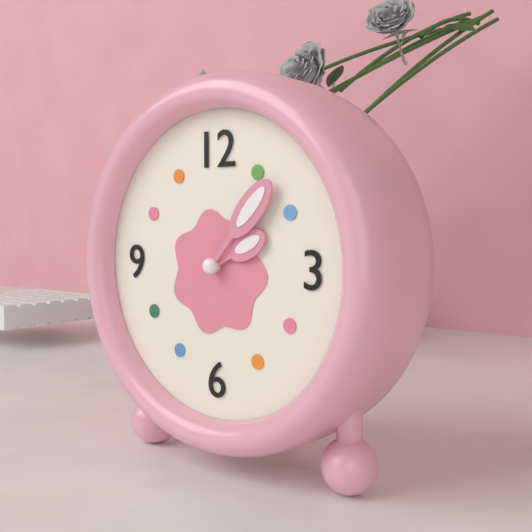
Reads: 2:07
